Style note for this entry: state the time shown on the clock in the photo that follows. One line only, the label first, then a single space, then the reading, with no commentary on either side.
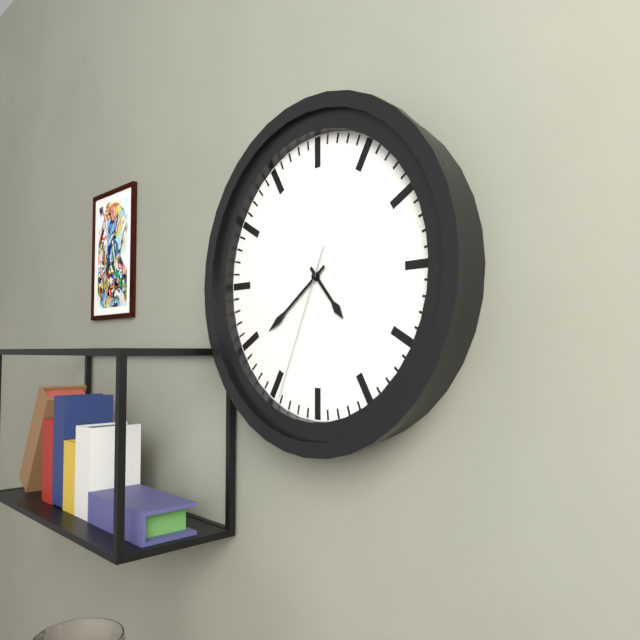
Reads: 4:39:34
